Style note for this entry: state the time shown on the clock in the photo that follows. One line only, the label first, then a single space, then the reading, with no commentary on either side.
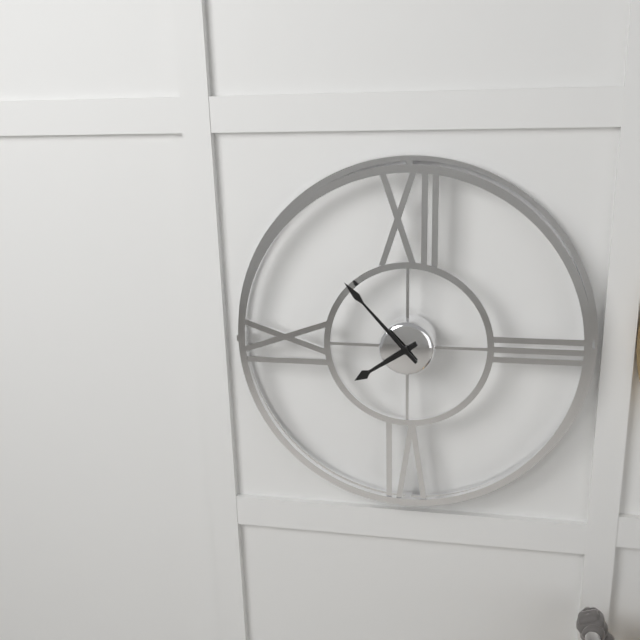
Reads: 7:53
